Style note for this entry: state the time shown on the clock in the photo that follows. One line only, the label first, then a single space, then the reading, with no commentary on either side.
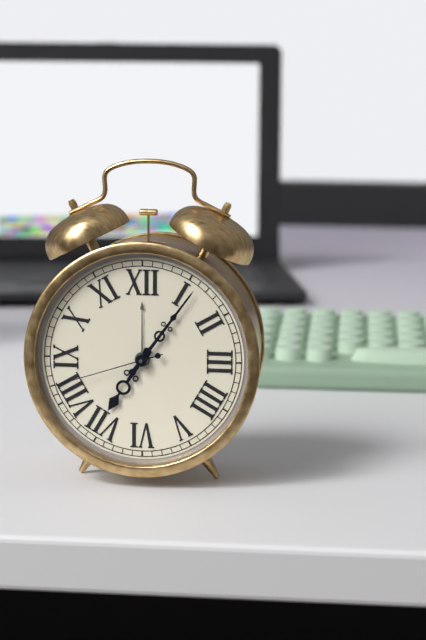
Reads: 7:06:42
